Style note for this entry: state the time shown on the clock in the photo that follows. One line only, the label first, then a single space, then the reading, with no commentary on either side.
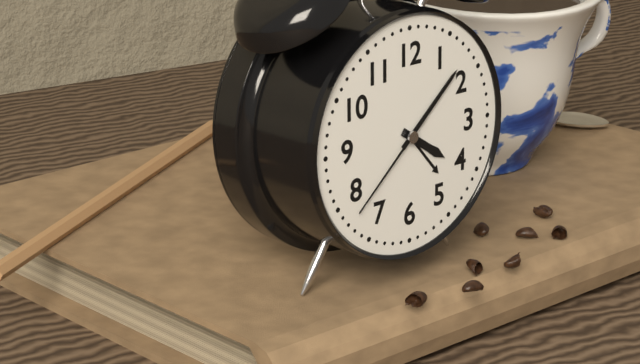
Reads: 4:08:38
